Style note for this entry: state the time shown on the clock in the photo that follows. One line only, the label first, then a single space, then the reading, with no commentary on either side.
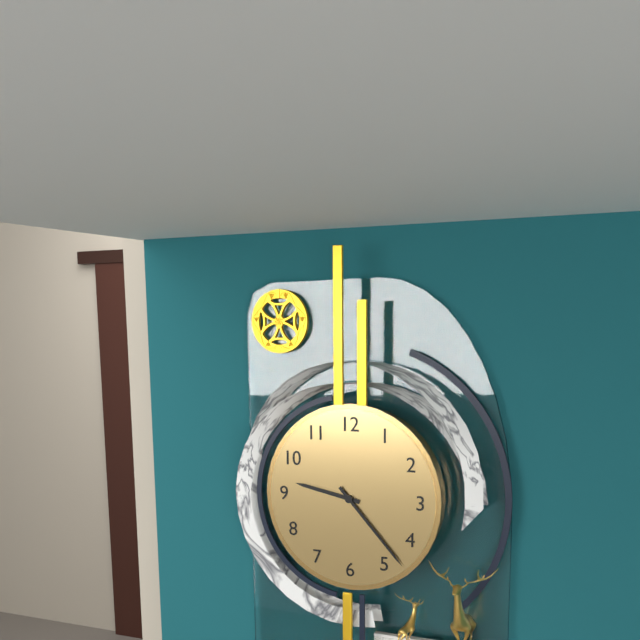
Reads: 9:23
